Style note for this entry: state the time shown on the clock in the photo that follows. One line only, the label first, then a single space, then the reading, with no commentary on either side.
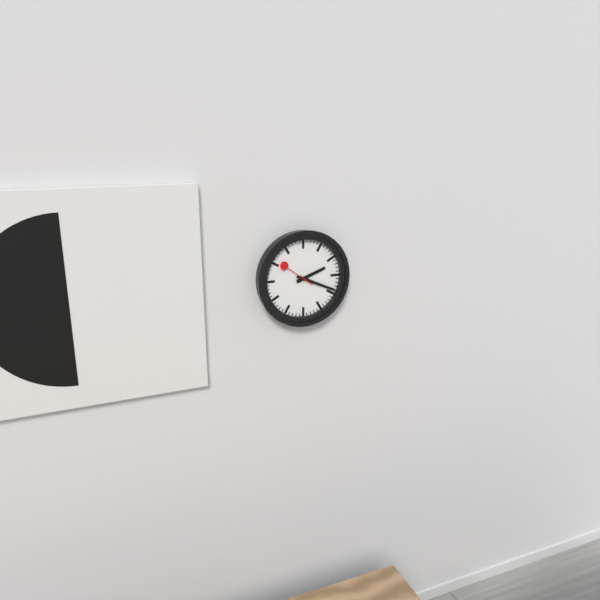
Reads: 2:19
